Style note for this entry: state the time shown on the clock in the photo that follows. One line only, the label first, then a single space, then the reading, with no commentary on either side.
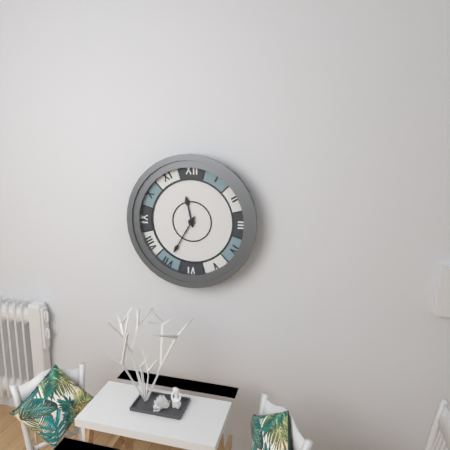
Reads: 11:35
